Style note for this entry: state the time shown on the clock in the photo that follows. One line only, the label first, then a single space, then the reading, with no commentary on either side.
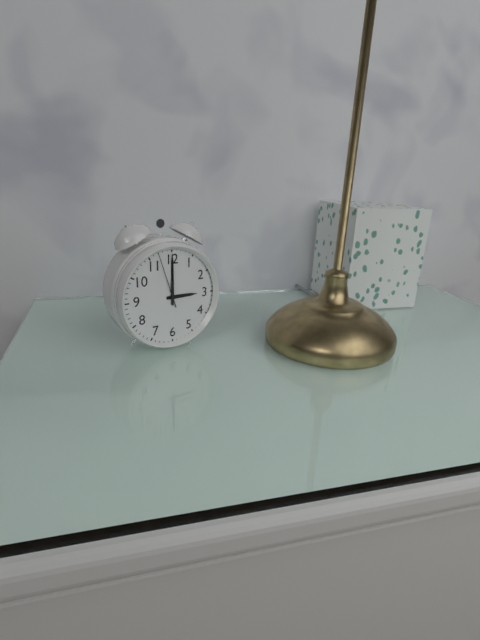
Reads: 3:00:57
